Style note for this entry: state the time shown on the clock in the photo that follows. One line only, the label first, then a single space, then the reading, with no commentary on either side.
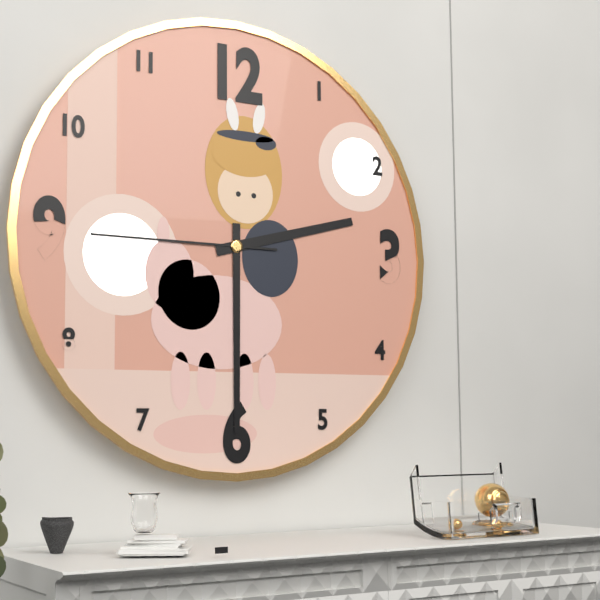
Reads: 2:30:45
